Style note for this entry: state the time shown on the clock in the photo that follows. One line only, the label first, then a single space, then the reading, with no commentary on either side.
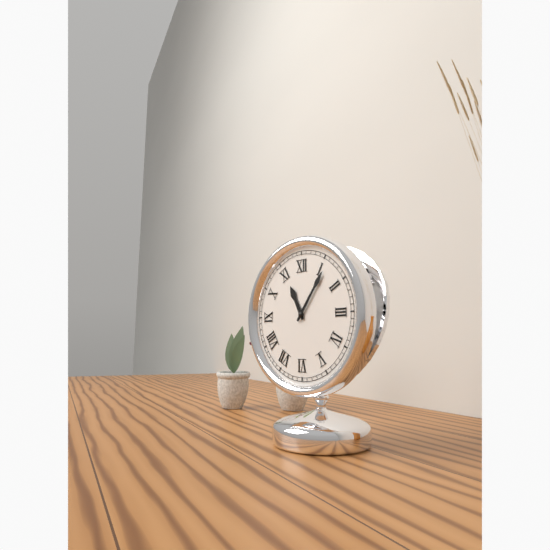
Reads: 11:06
